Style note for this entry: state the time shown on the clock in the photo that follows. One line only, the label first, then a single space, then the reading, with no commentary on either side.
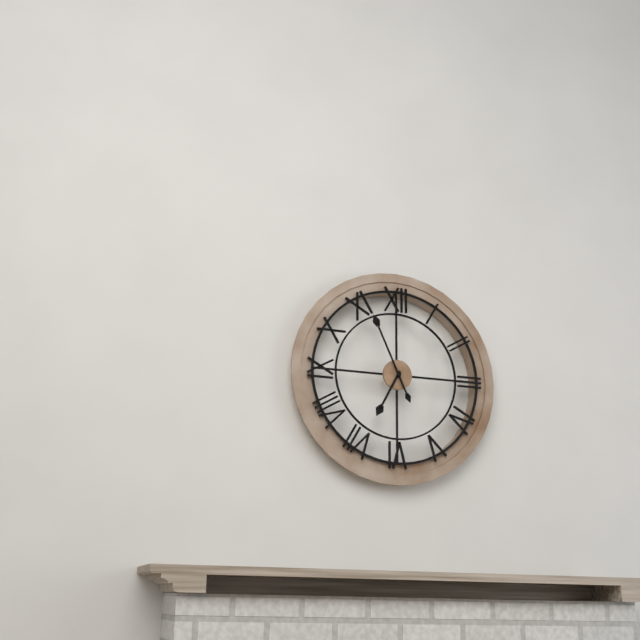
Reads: 6:56
